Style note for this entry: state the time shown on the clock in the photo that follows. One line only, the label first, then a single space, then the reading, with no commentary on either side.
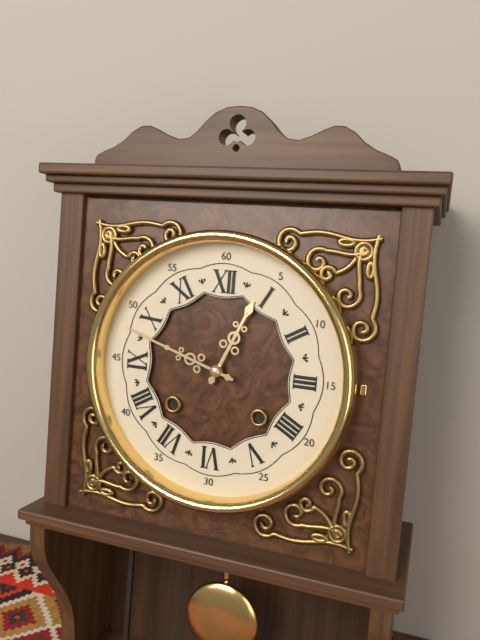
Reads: 12:48
